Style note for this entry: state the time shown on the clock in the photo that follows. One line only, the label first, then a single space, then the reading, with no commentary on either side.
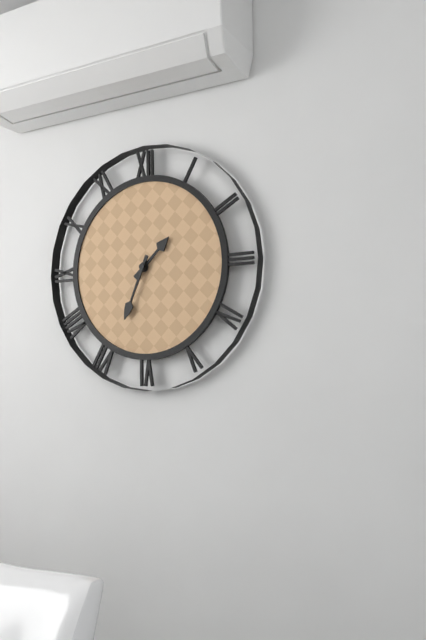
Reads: 1:34
